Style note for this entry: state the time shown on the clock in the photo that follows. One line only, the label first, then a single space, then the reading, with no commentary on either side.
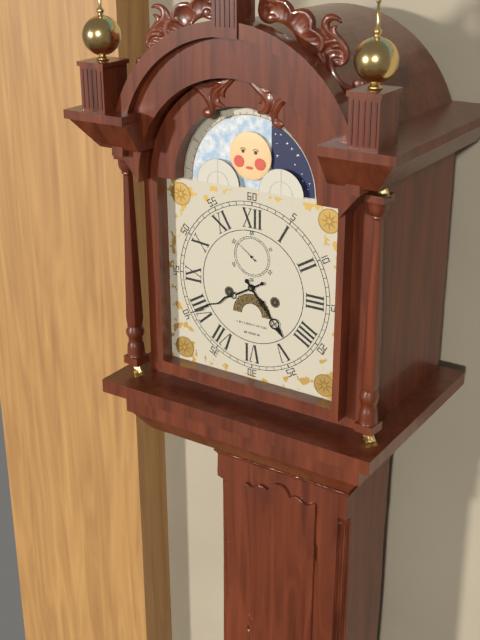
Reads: 4:40
